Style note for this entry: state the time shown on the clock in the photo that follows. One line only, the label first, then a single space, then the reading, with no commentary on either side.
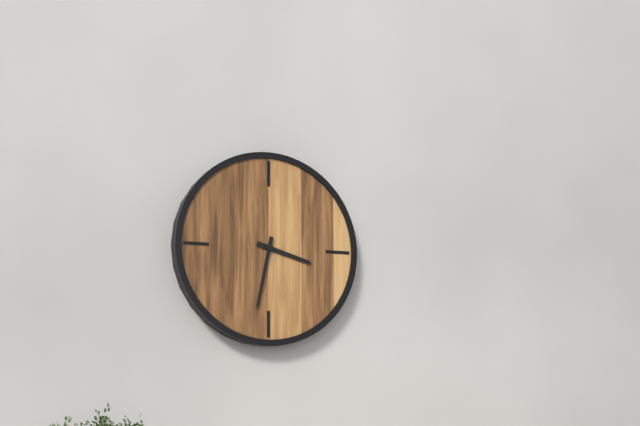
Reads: 3:32
